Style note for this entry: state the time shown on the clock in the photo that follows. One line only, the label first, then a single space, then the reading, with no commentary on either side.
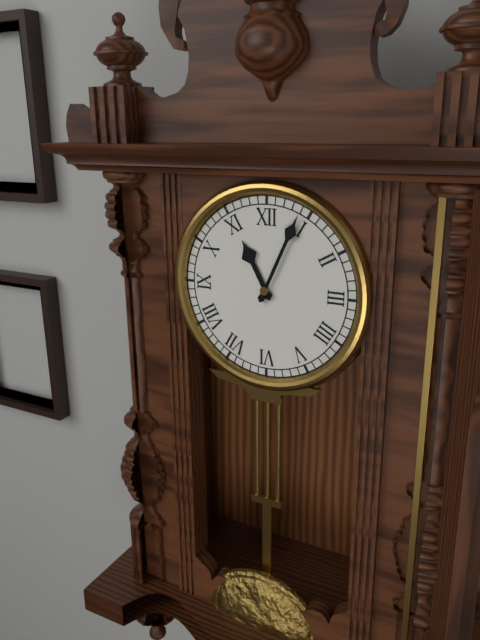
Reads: 11:04
